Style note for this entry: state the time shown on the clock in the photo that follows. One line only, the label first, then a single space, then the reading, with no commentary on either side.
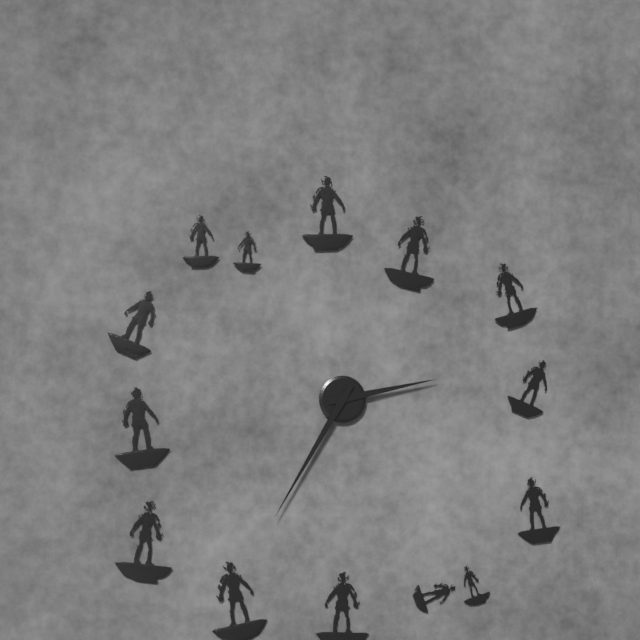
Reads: 2:35
